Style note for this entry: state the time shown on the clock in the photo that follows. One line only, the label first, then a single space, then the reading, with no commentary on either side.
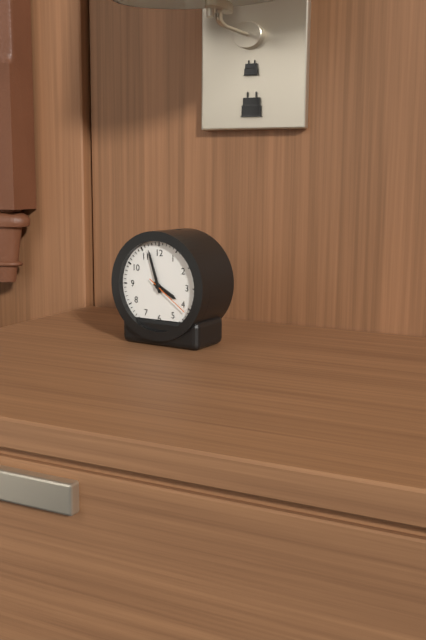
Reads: 3:57
